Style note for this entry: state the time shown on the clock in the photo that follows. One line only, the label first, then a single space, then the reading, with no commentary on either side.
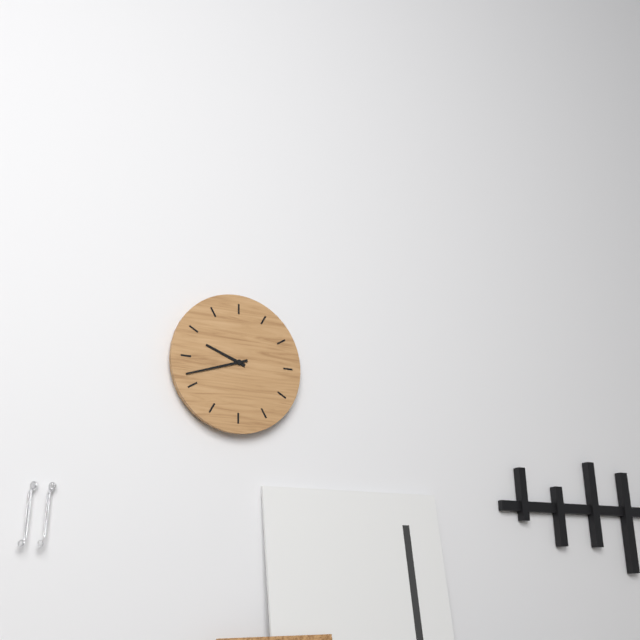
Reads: 9:42
